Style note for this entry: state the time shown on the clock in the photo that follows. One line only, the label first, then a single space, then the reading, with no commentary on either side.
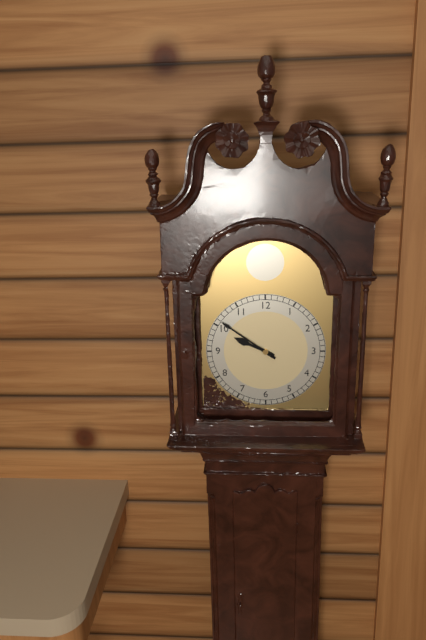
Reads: 9:51
